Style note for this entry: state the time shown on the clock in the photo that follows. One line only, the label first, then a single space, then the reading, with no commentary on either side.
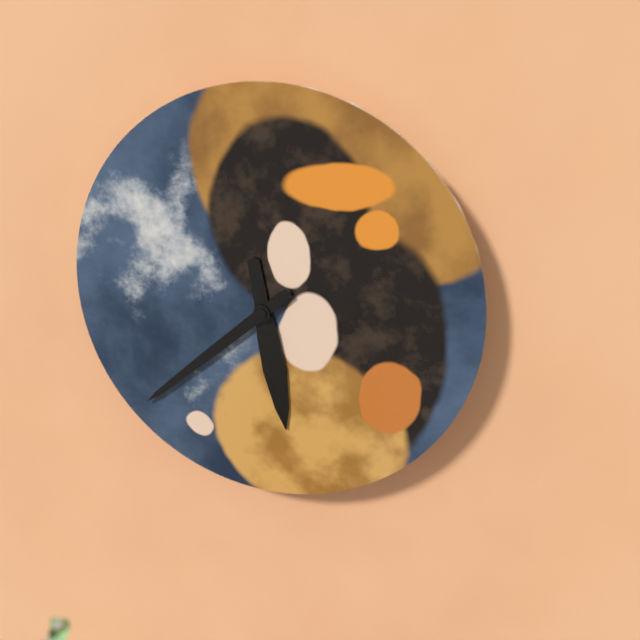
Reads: 5:38
